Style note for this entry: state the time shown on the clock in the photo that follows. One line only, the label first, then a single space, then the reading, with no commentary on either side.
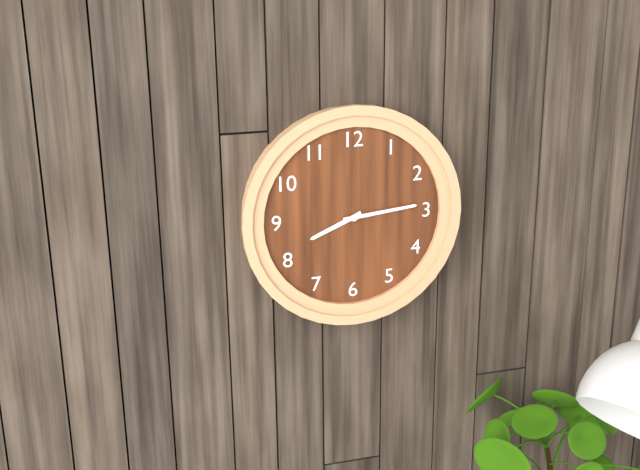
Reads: 8:14
